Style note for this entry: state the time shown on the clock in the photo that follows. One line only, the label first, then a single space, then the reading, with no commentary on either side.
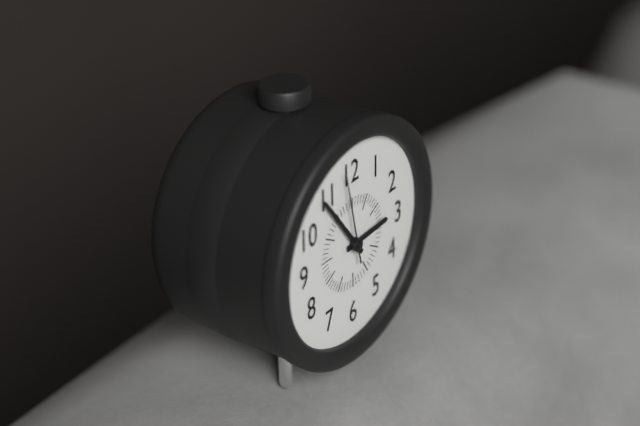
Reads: 2:54:58
